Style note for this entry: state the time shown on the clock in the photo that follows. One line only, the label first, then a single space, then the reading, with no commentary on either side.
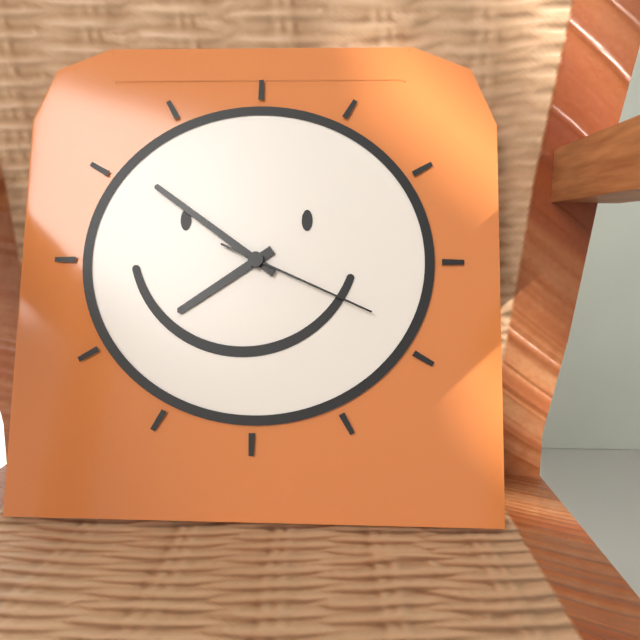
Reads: 7:51:19
